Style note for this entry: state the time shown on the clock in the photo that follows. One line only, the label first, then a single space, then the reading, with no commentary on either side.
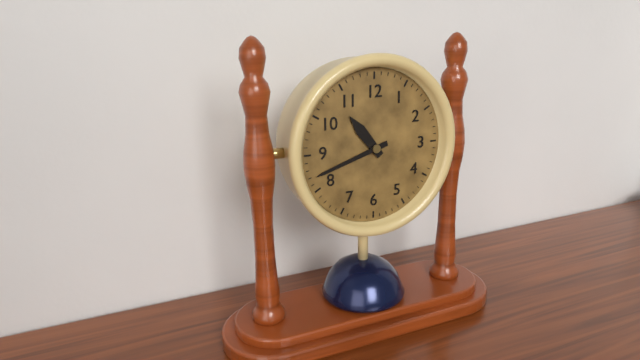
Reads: 10:42
